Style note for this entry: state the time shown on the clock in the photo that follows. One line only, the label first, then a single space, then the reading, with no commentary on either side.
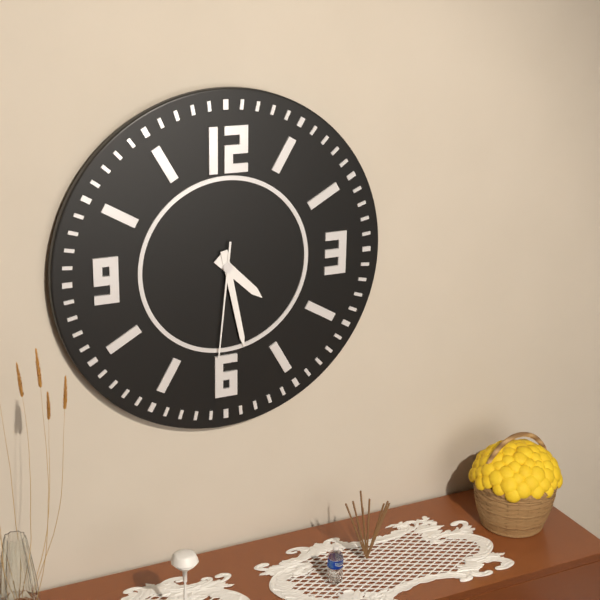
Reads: 4:28:31
